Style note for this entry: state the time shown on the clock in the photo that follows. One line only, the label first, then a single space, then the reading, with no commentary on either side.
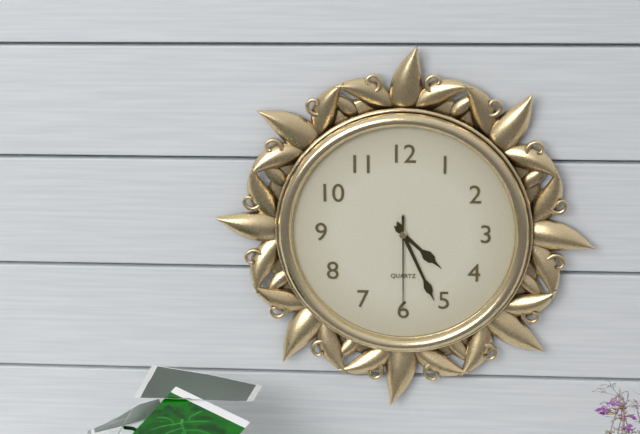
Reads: 4:26:30
